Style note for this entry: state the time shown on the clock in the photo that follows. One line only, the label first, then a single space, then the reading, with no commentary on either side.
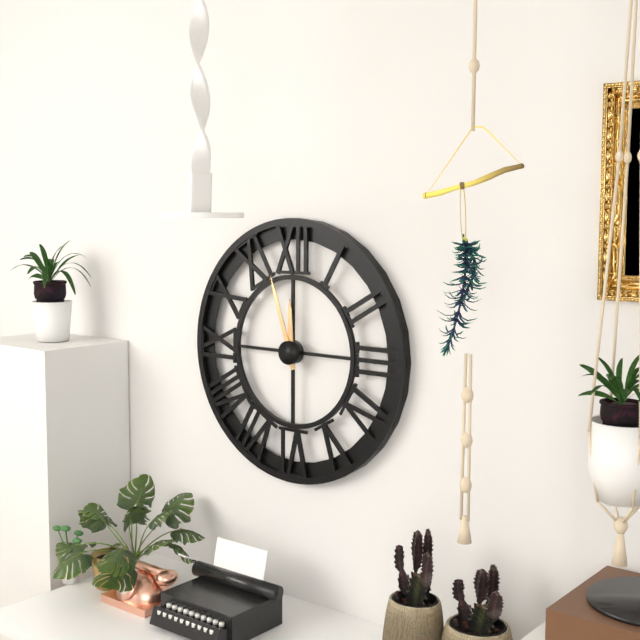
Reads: 11:57
